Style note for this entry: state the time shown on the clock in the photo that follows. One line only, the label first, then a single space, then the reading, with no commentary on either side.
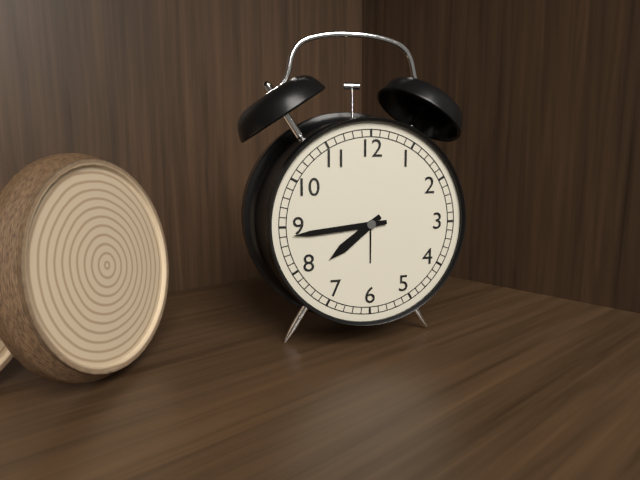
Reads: 7:44
